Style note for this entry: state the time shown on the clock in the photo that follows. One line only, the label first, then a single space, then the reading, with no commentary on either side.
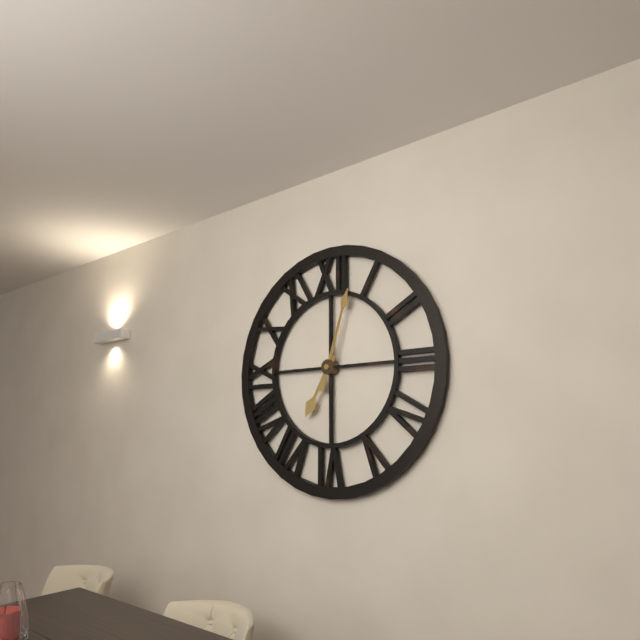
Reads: 7:03
